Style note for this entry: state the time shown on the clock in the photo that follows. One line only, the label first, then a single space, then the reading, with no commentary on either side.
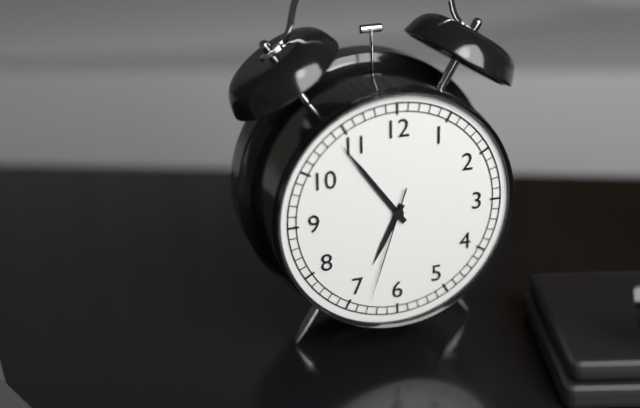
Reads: 6:54:33
